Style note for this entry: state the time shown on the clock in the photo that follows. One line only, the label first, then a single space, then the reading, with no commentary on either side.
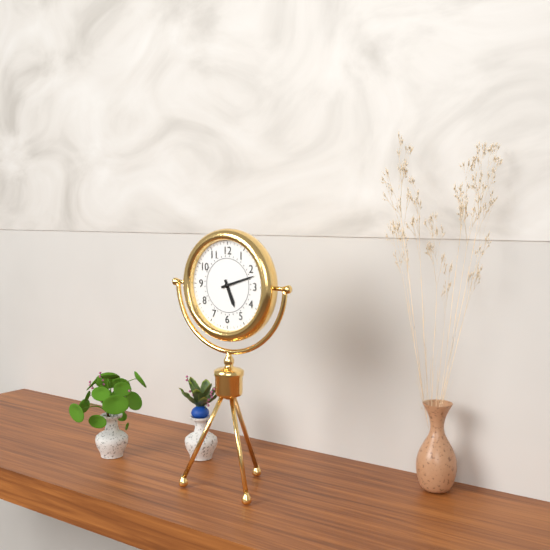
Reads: 5:12
